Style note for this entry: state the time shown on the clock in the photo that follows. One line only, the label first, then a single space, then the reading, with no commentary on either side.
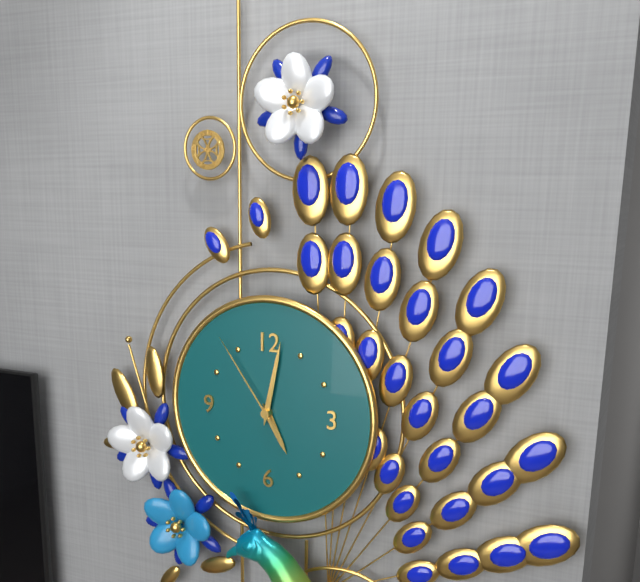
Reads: 5:02:54
